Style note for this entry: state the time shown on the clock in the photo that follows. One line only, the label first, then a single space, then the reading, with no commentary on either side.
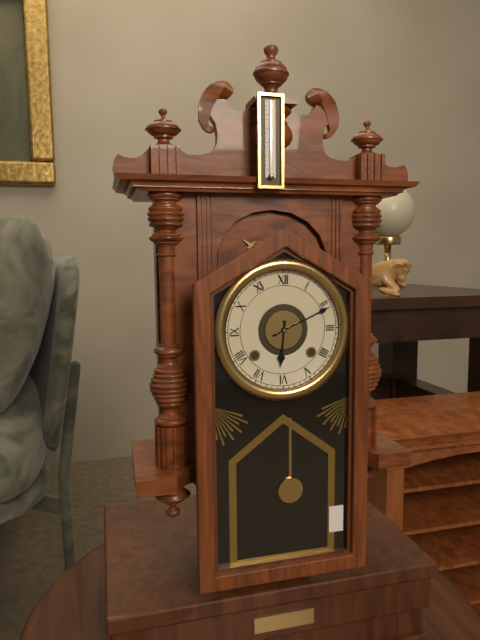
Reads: 6:11
